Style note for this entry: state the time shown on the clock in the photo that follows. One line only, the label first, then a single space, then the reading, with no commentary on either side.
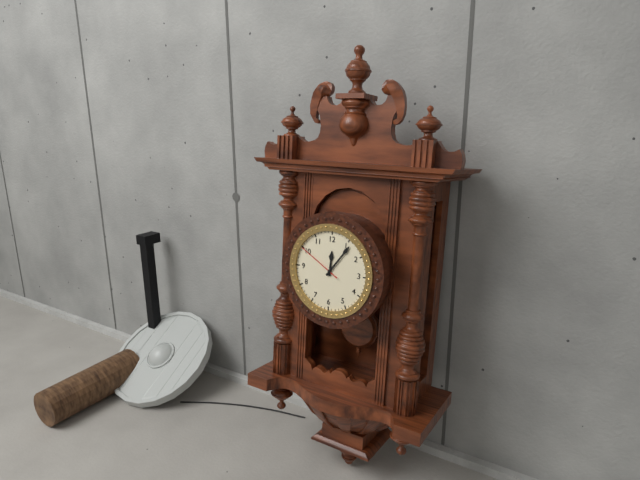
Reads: 12:06
